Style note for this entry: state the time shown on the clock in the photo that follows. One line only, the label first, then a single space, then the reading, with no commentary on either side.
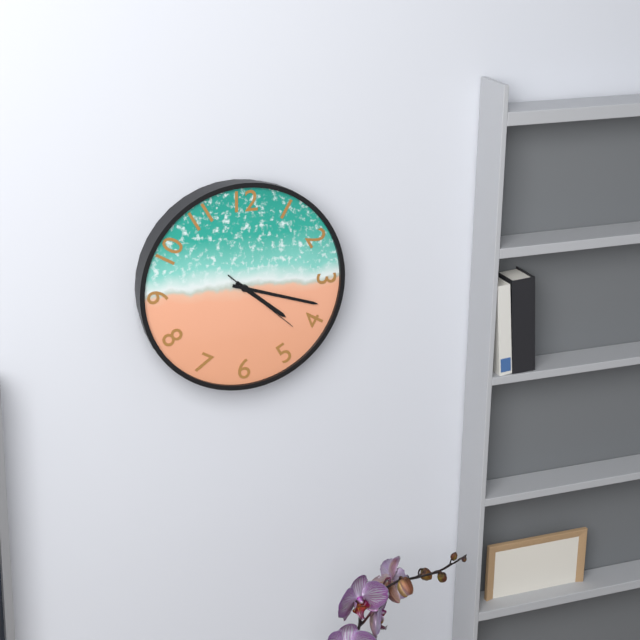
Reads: 4:18:22
